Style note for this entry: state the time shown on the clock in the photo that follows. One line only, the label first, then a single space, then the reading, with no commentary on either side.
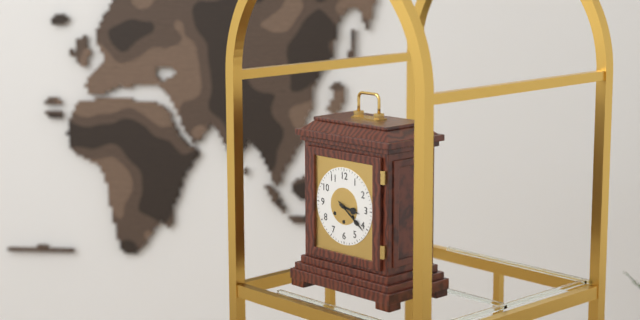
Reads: 3:21
